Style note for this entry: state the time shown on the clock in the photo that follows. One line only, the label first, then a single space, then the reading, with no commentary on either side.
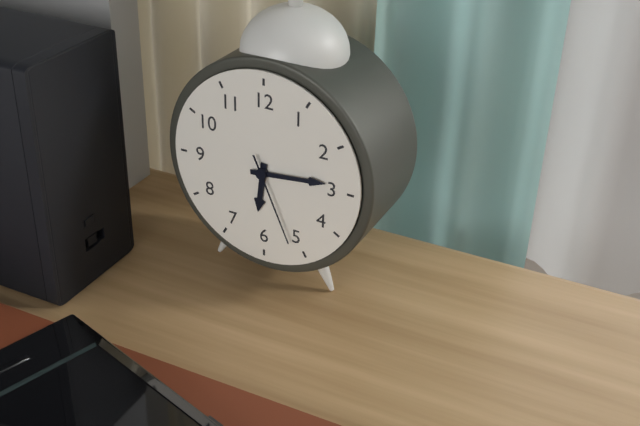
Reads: 6:14:26
